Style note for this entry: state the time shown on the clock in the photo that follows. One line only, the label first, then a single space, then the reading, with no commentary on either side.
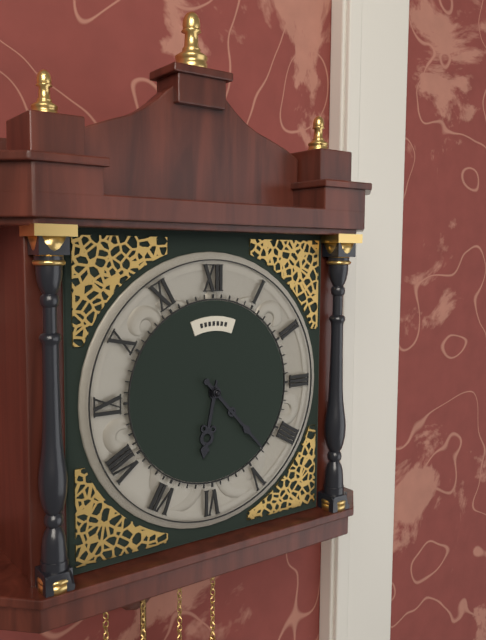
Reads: 6:23
